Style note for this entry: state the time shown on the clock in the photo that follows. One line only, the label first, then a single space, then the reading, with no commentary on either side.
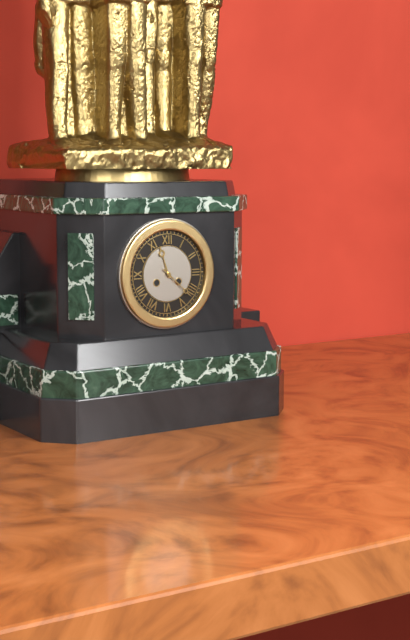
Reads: 11:22
